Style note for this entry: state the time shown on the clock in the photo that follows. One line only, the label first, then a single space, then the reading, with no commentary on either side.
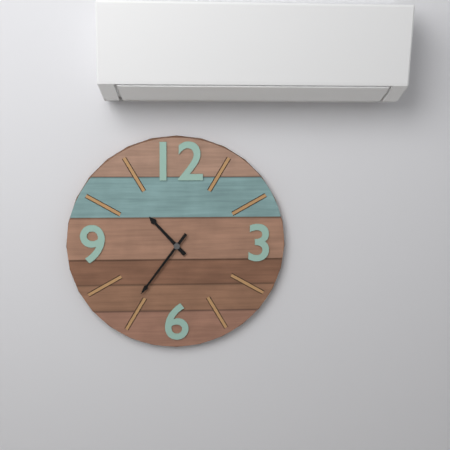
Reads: 10:36
